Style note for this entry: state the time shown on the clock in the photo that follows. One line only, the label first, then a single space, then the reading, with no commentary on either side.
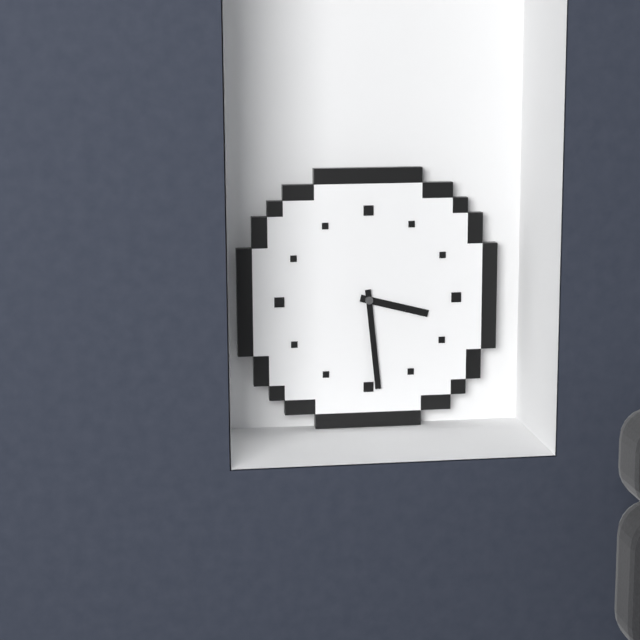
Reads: 3:29
